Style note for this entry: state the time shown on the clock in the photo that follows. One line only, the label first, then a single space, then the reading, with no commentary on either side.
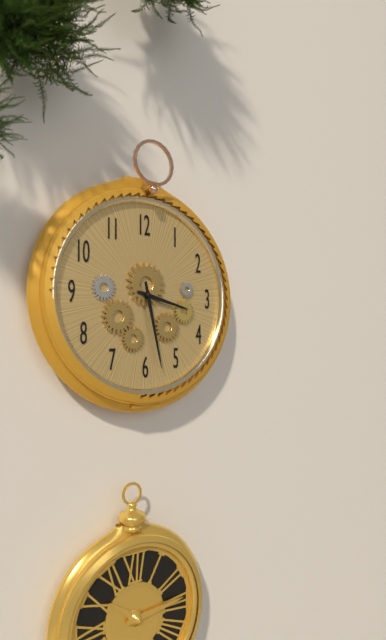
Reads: 3:28
